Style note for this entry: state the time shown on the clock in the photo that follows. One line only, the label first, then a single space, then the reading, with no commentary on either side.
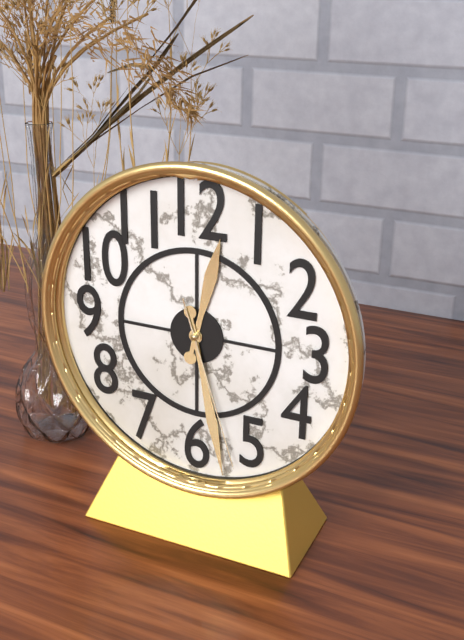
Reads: 12:28:27
